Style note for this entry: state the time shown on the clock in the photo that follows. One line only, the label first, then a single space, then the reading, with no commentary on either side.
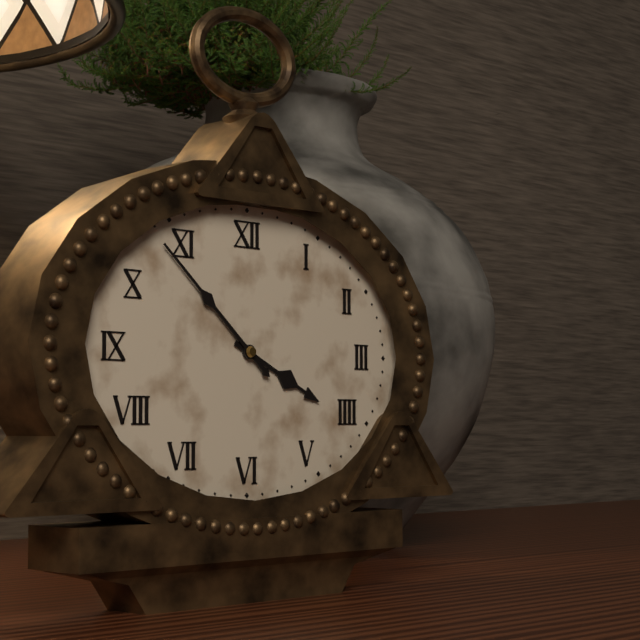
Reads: 3:52
